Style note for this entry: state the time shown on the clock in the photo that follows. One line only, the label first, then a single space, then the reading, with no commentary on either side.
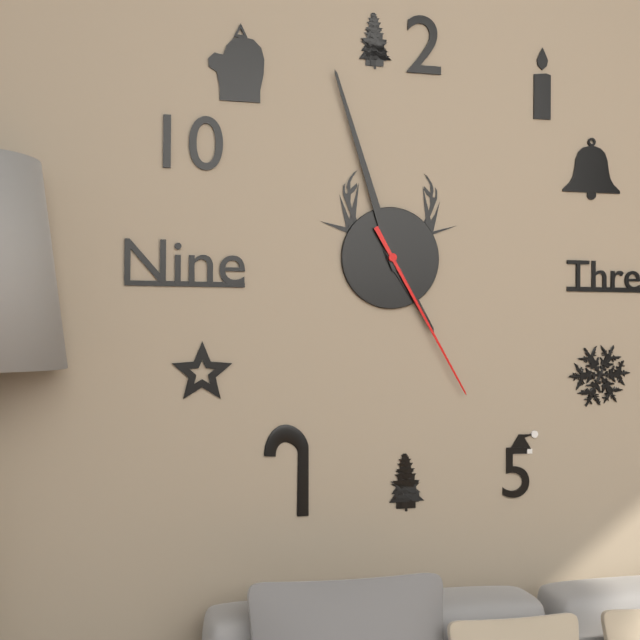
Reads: 4:57:25
